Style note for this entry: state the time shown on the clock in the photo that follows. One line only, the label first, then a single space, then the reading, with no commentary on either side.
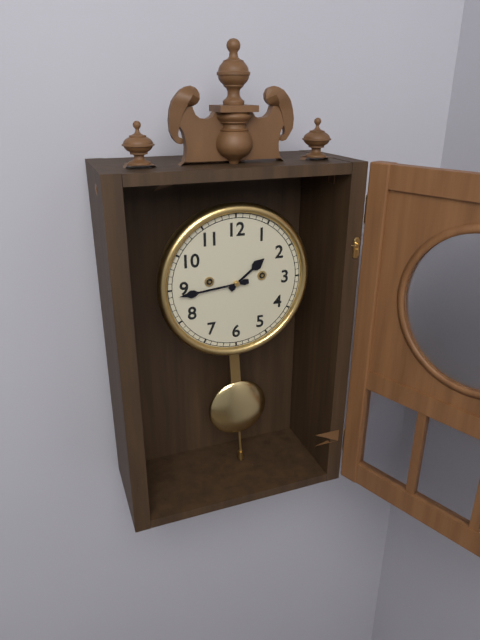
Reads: 1:44
